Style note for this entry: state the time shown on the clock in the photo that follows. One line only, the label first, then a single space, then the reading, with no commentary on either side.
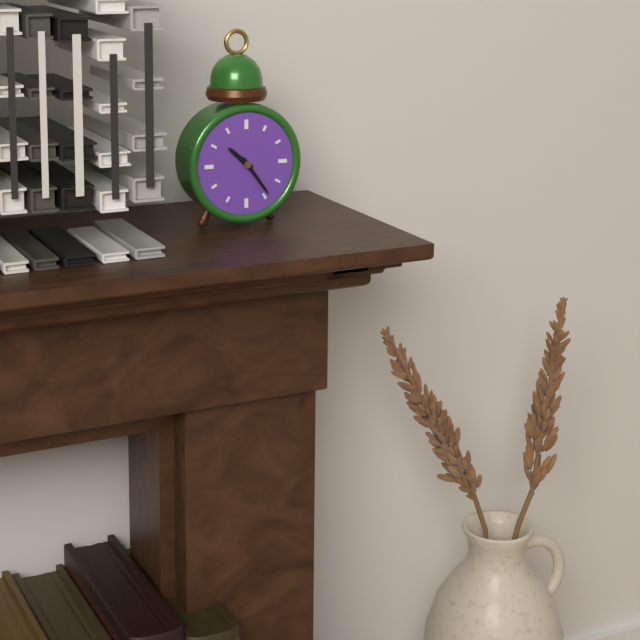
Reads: 10:24
